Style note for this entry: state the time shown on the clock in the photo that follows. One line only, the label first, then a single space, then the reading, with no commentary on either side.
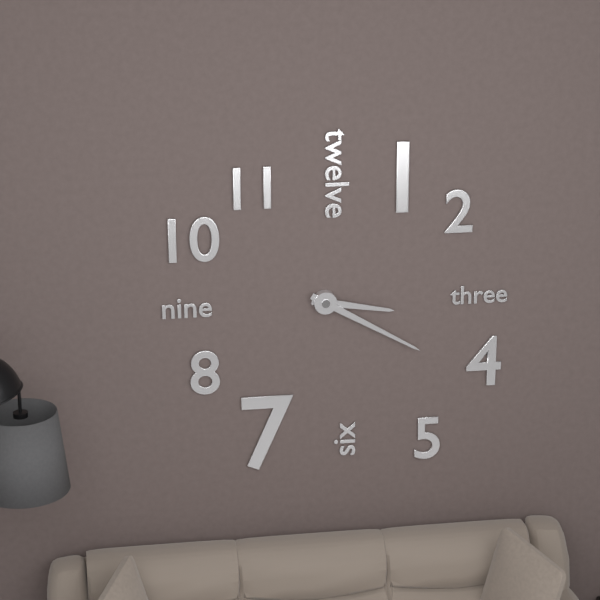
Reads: 3:20
